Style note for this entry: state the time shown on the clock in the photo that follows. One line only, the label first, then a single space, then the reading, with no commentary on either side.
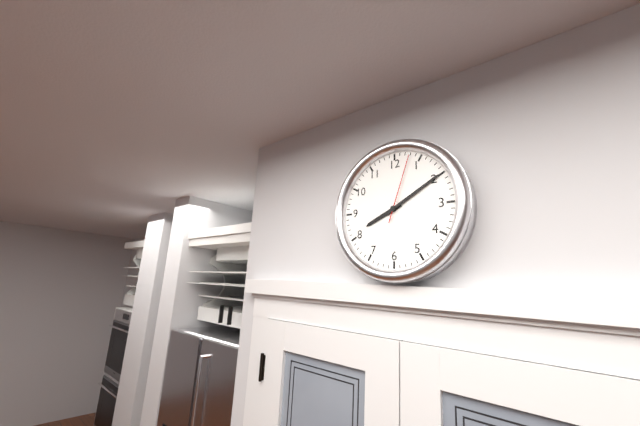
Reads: 8:10:03
